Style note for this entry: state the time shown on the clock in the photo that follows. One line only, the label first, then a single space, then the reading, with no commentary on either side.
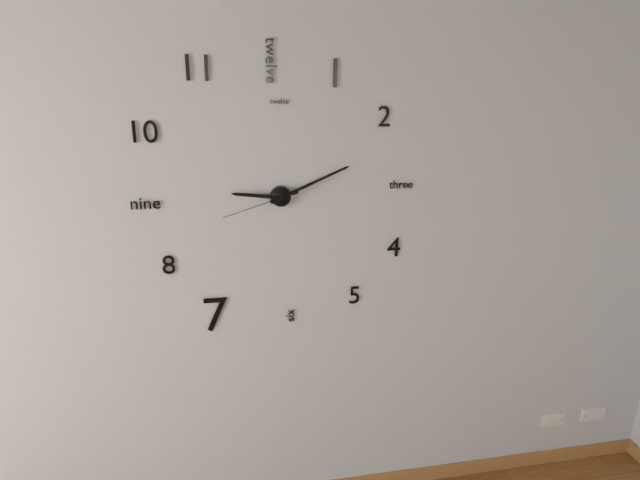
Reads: 9:11:42
